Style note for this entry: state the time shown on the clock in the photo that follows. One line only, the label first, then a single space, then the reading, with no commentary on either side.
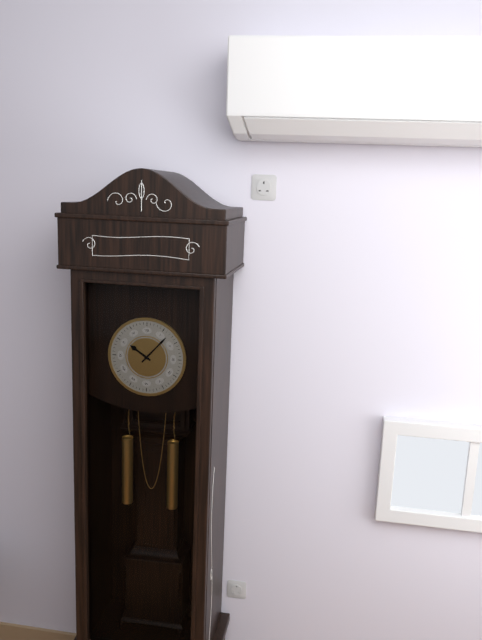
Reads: 10:07
